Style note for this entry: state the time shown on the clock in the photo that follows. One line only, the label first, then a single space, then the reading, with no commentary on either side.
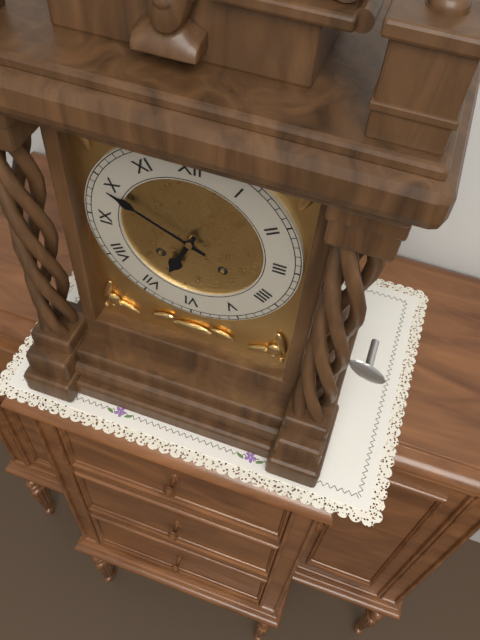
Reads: 6:49
